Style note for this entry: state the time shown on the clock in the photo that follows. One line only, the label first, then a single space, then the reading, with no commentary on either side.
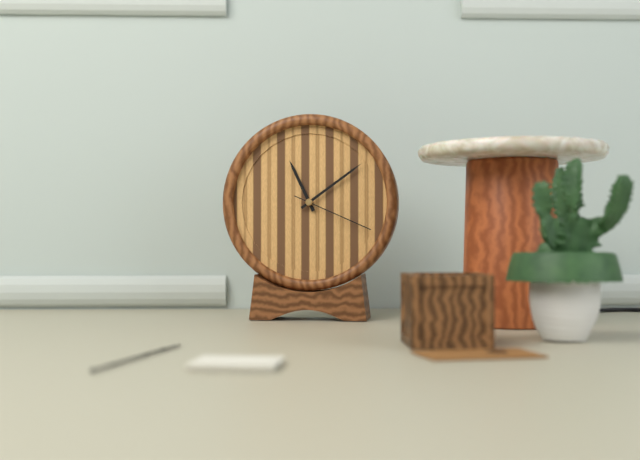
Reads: 11:09:19
